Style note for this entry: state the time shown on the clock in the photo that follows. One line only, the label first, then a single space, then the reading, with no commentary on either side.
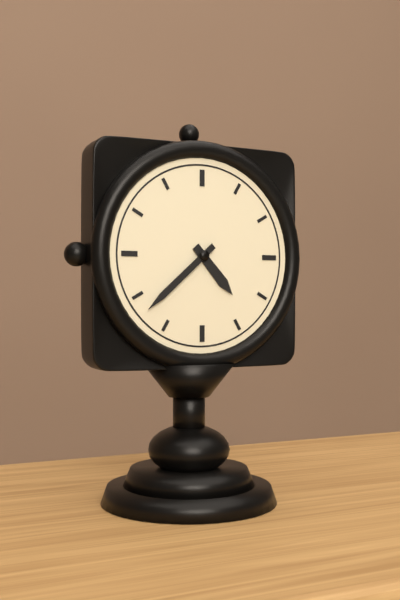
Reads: 4:38
